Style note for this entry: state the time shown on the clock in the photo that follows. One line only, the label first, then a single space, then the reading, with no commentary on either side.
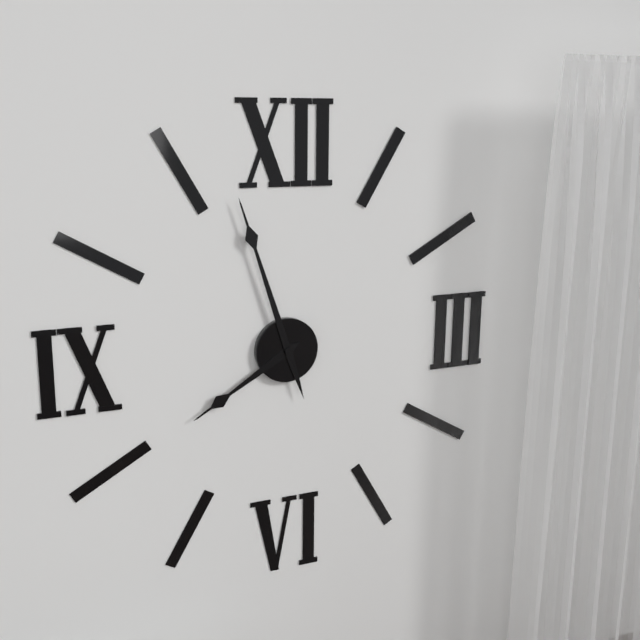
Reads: 7:57
